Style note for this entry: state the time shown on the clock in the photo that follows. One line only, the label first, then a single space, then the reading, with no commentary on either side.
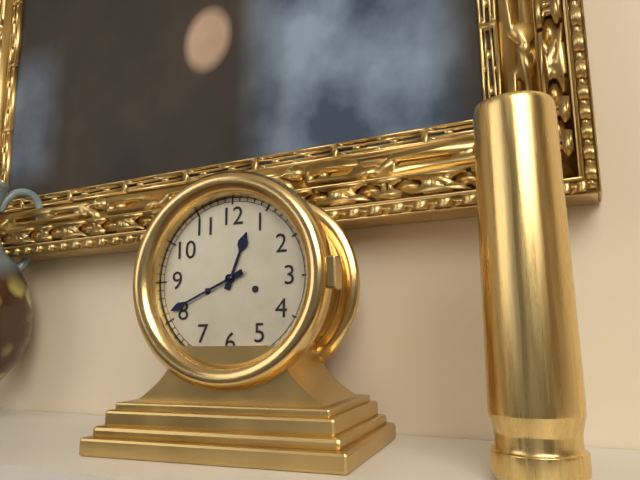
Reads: 12:41
